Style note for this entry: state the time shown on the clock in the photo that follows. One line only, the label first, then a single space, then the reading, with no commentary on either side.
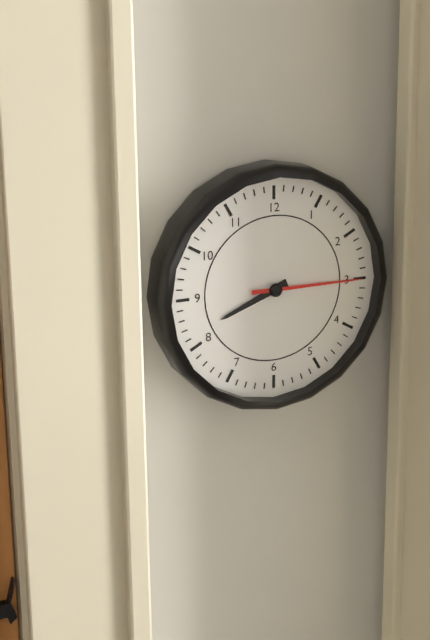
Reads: 8:15
